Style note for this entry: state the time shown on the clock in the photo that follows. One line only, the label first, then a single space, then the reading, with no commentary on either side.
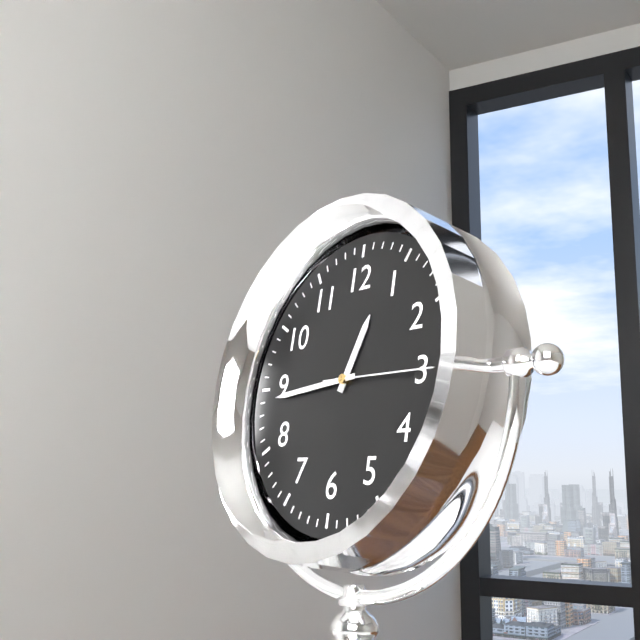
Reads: 12:44:15
